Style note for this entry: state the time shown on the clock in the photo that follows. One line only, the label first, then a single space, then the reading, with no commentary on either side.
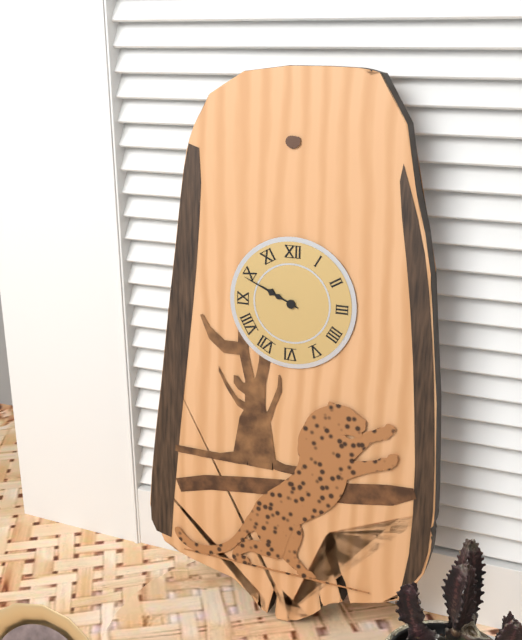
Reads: 9:49
